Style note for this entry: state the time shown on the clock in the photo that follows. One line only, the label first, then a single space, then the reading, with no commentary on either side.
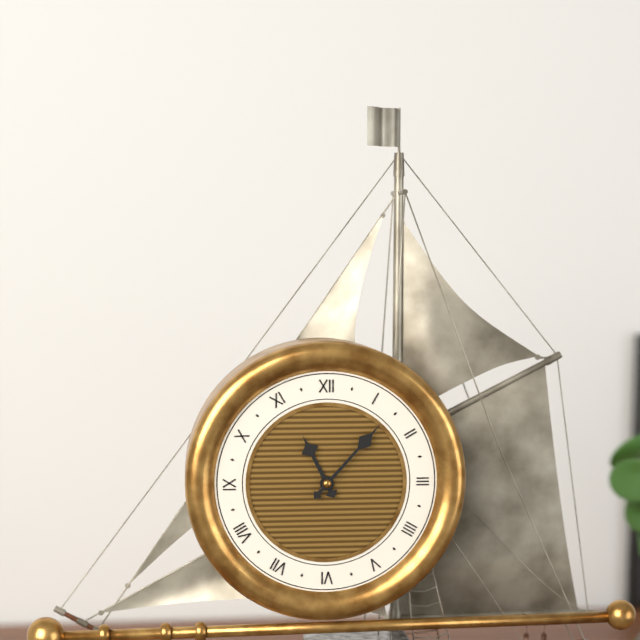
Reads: 11:07
